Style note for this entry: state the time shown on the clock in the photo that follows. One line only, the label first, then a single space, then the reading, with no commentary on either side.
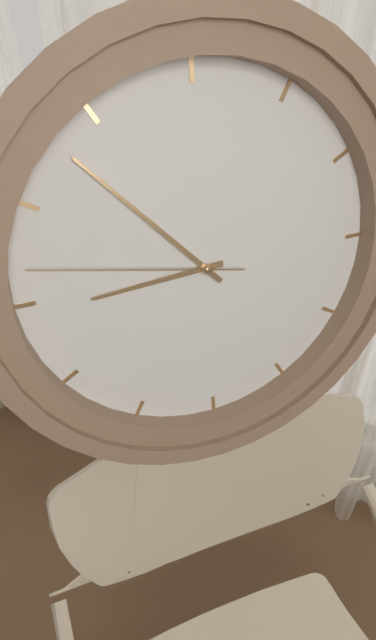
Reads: 8:53:47
